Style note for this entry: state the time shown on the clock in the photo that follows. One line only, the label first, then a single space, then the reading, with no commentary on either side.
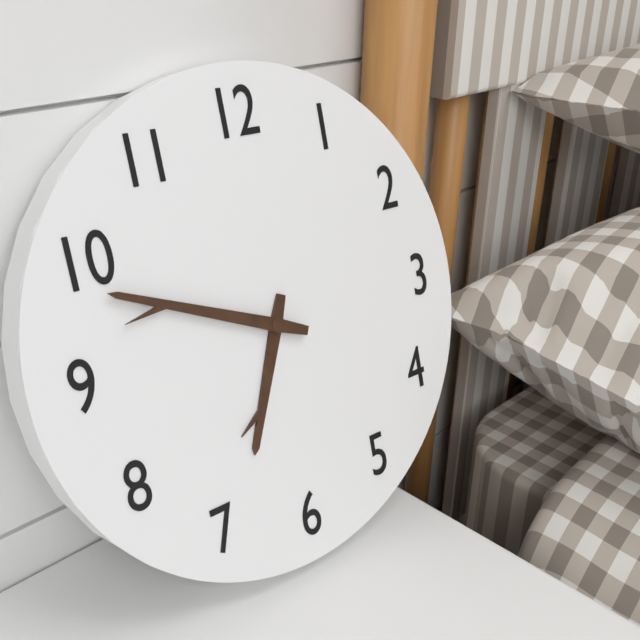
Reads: 6:49
